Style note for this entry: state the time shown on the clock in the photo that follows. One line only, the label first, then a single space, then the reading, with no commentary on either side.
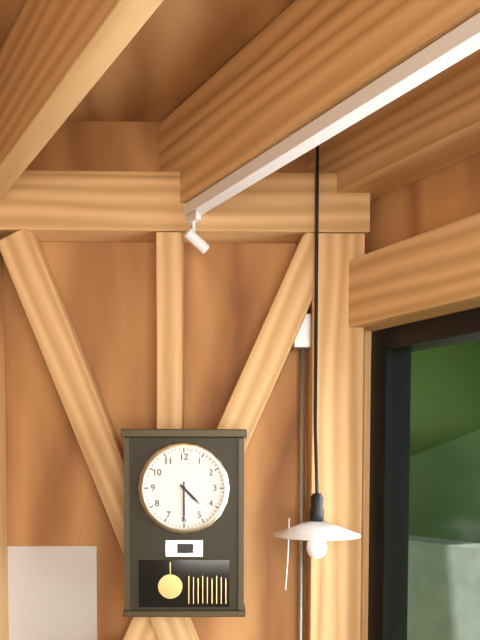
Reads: 4:30
